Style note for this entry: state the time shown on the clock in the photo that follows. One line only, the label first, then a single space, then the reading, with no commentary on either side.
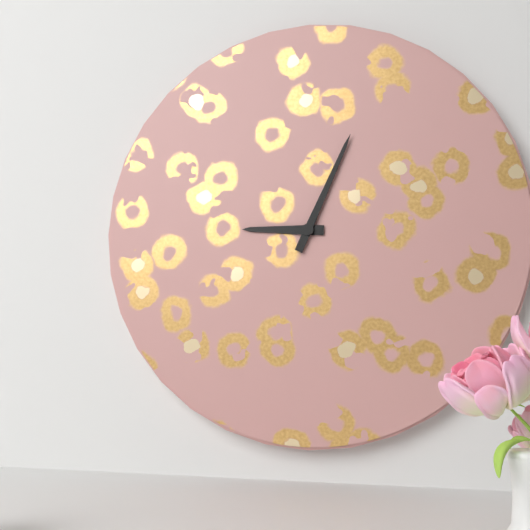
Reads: 9:04
